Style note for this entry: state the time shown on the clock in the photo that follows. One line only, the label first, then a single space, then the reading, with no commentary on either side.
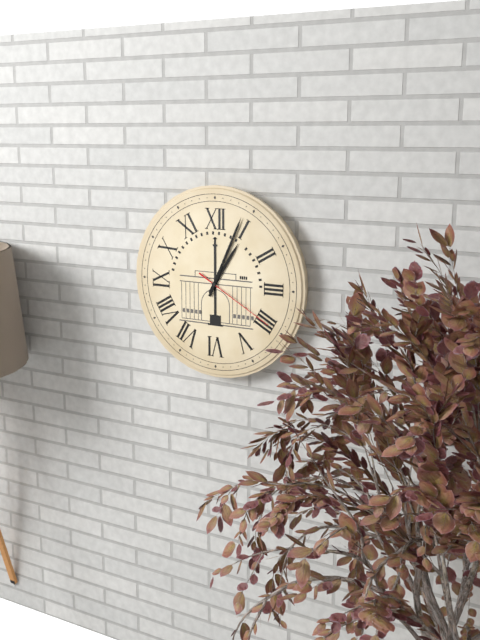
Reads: 1:04:20
